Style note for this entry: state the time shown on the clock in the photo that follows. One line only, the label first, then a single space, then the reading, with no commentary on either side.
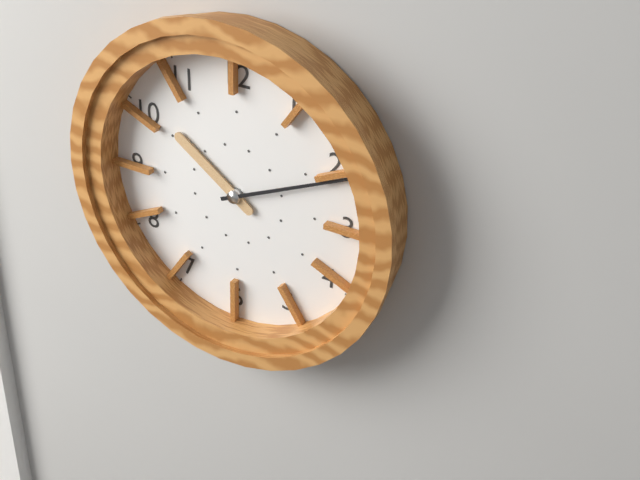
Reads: 10:11
